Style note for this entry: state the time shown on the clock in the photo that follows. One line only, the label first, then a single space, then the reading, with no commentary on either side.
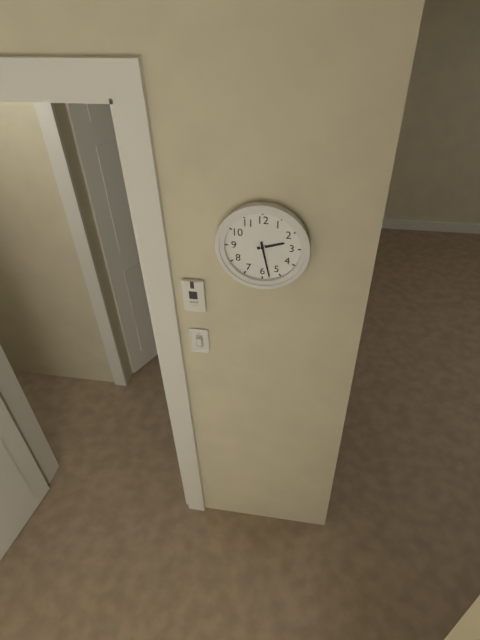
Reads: 2:28
